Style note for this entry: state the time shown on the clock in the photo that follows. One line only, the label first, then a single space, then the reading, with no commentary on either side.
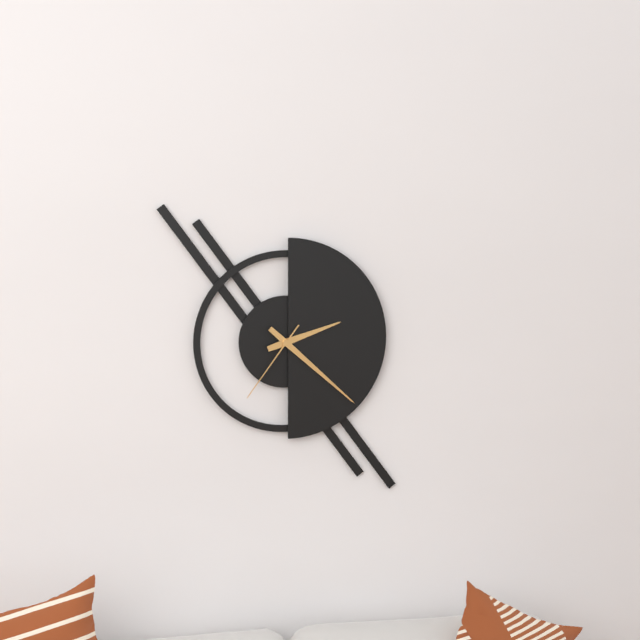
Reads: 2:22:36
